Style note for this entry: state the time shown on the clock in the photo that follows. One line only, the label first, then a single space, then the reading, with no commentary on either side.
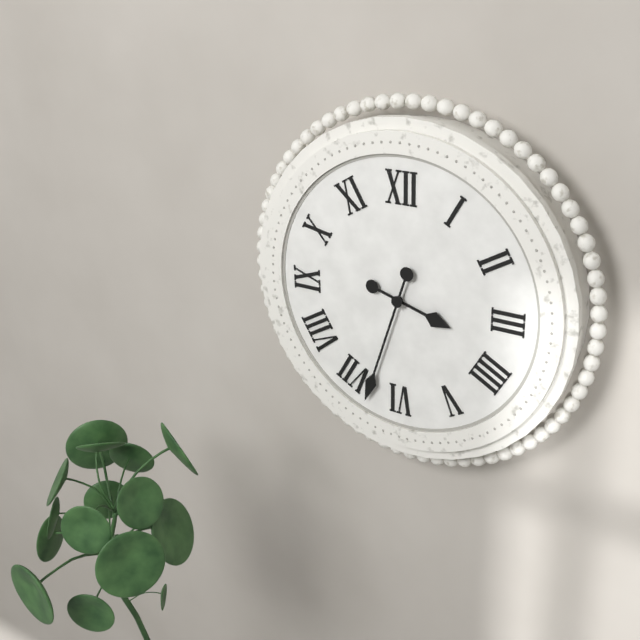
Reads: 3:33
